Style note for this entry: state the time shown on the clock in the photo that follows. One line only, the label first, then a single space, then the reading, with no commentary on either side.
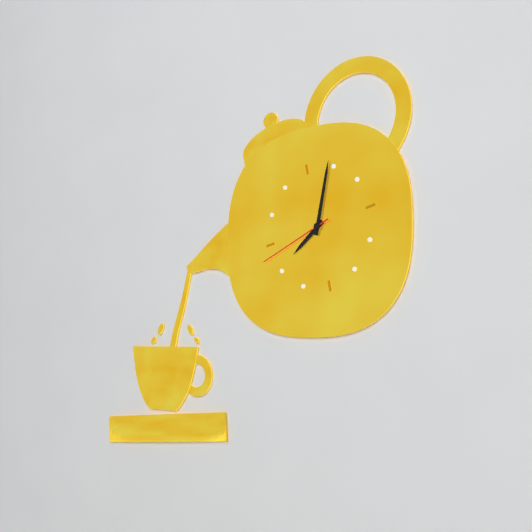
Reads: 8:04:43
